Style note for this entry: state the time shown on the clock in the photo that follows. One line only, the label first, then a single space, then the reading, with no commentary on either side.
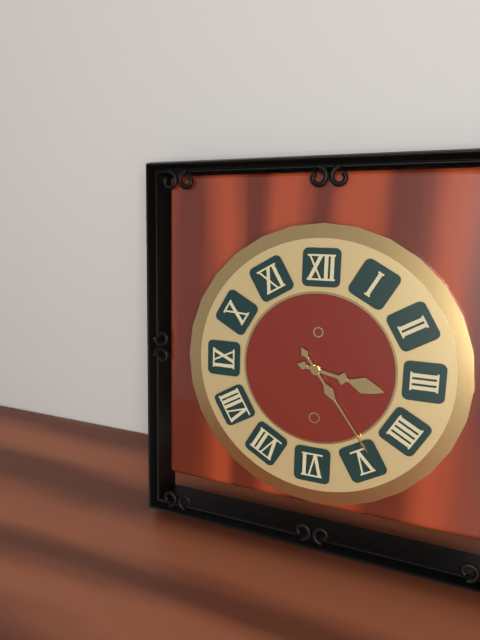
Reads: 3:24
